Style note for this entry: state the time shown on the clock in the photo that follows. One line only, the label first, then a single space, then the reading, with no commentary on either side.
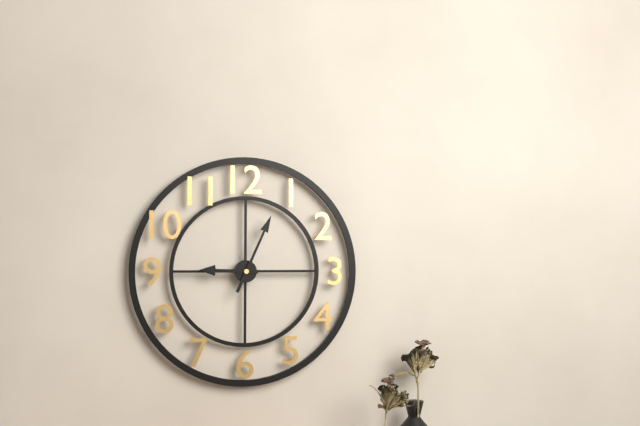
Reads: 9:04
